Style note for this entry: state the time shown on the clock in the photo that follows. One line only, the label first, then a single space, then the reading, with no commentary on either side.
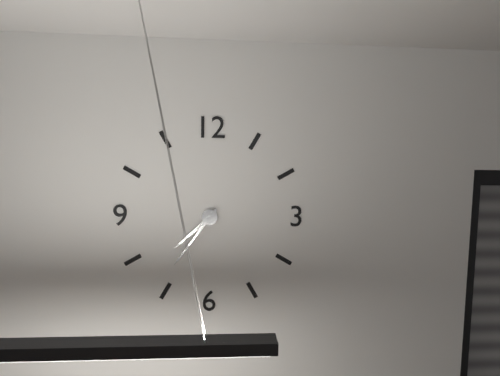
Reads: 7:36
